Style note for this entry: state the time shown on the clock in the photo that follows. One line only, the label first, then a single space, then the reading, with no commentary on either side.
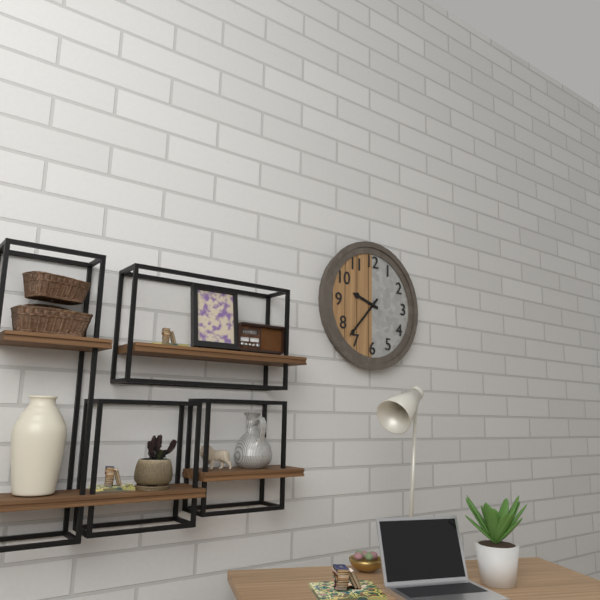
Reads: 9:37
